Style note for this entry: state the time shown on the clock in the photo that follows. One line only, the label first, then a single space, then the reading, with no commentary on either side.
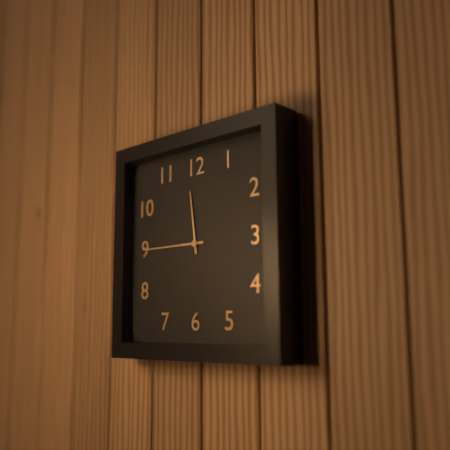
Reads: 11:45
